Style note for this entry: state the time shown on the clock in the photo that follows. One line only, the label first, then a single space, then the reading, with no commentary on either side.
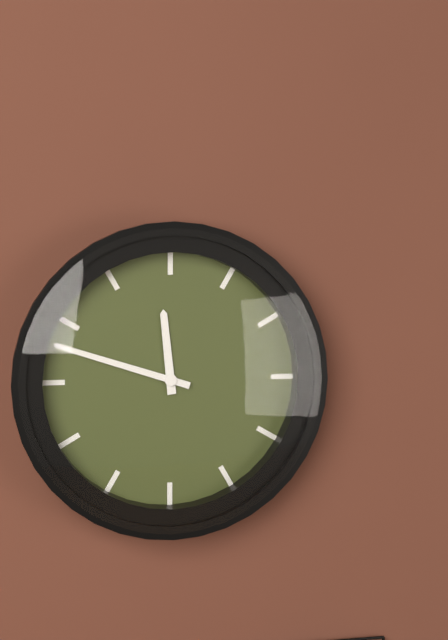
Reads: 11:48
